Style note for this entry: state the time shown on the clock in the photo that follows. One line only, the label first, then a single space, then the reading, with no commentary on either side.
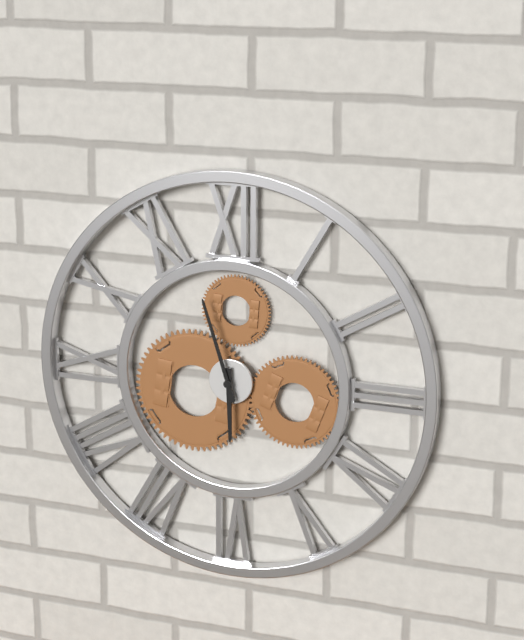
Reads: 5:57
